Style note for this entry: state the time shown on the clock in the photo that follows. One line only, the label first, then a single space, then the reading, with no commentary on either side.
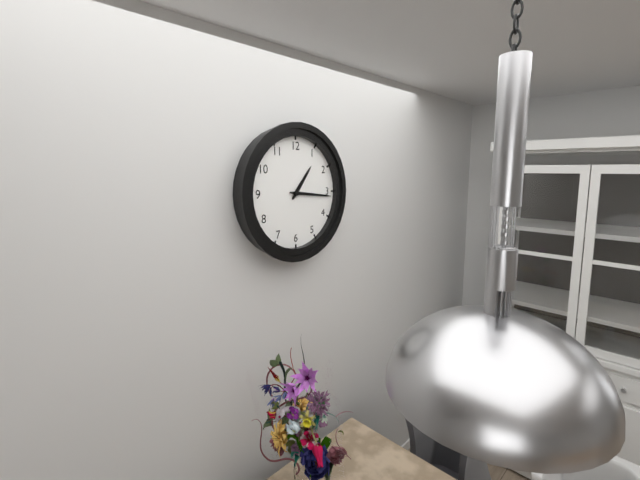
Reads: 1:16
